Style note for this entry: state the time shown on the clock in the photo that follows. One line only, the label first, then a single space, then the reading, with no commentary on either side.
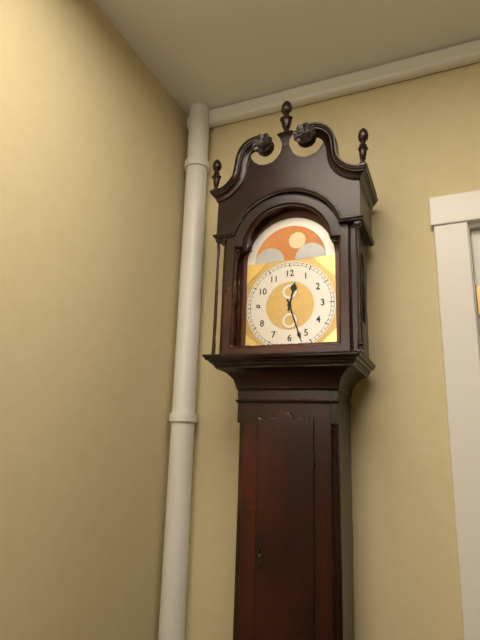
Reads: 12:27
